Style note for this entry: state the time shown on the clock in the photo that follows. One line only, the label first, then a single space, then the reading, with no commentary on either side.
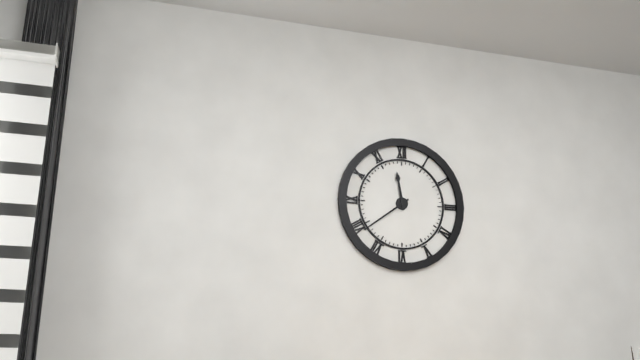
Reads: 11:39
